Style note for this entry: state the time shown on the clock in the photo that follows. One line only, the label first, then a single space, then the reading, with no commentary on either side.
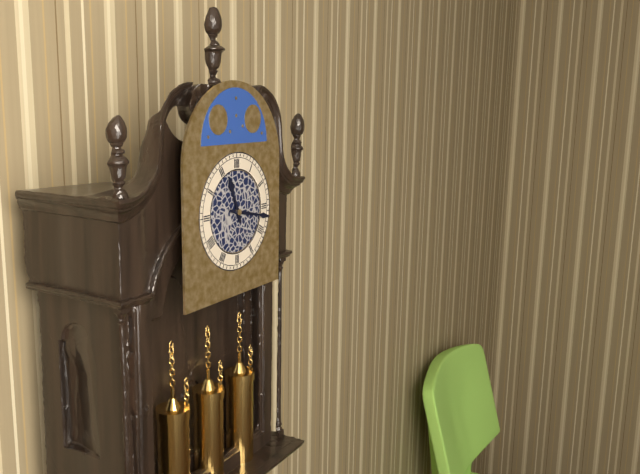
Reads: 11:17
